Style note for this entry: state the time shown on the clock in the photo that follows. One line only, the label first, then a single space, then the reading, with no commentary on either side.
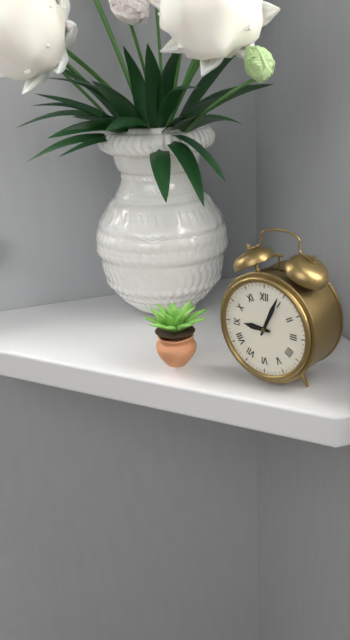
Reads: 9:04
